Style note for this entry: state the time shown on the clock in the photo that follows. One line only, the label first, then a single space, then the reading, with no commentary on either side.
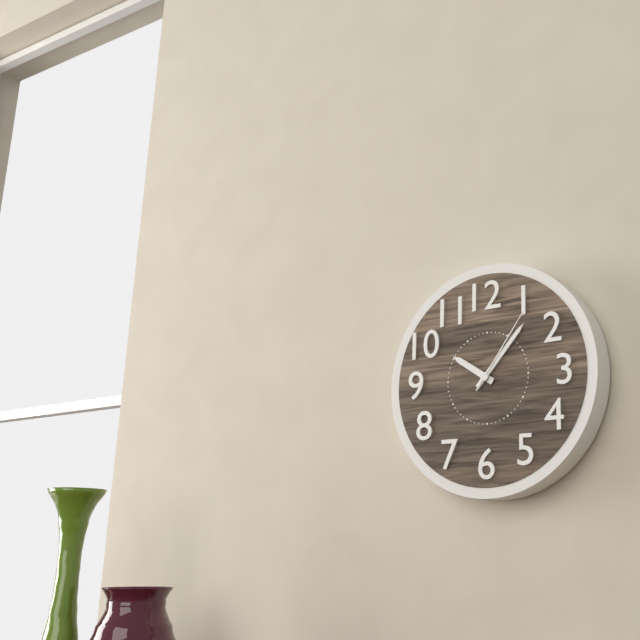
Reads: 10:07:06
